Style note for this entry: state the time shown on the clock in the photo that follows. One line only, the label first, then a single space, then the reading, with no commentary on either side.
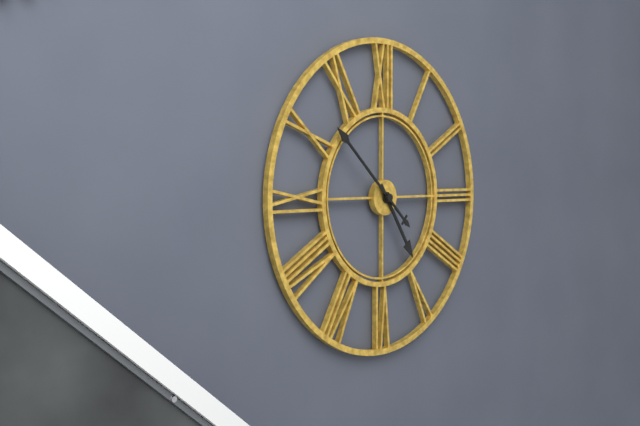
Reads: 4:52
